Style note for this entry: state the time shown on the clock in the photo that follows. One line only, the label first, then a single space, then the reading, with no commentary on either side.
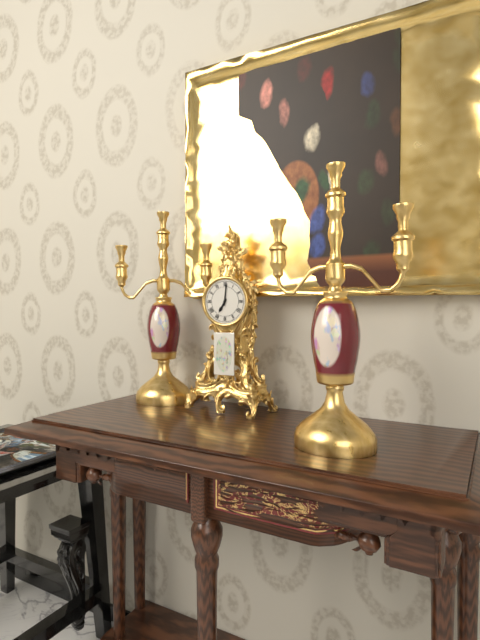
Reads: 7:01
